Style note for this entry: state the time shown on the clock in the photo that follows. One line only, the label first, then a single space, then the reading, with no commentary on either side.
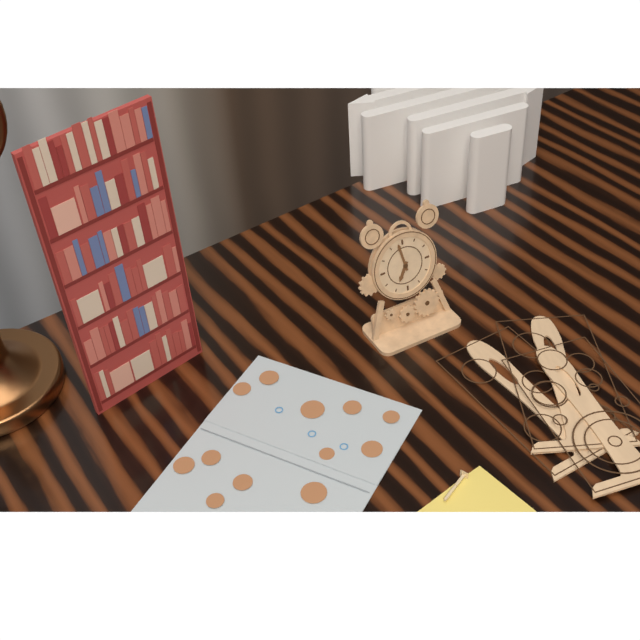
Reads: 6:58
